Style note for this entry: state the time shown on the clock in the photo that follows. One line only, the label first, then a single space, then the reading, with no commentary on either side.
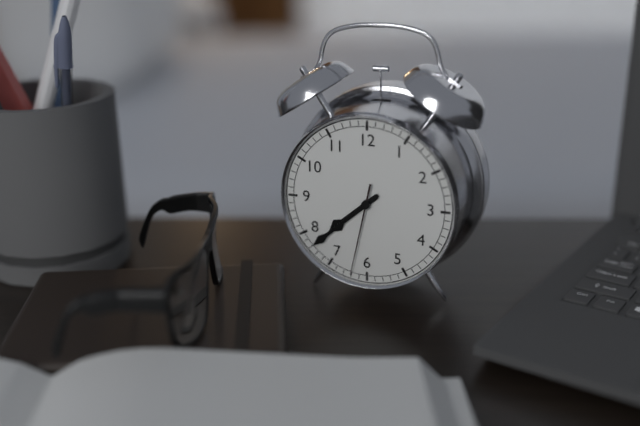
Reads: 7:38:32
